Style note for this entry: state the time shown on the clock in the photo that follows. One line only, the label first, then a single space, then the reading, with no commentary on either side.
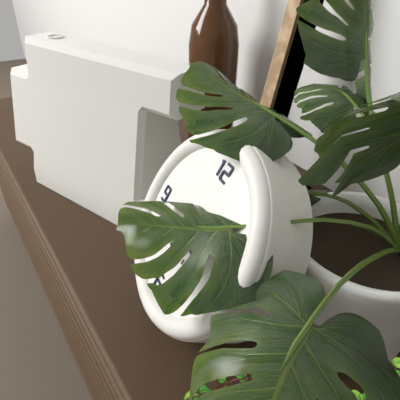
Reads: 3:41
